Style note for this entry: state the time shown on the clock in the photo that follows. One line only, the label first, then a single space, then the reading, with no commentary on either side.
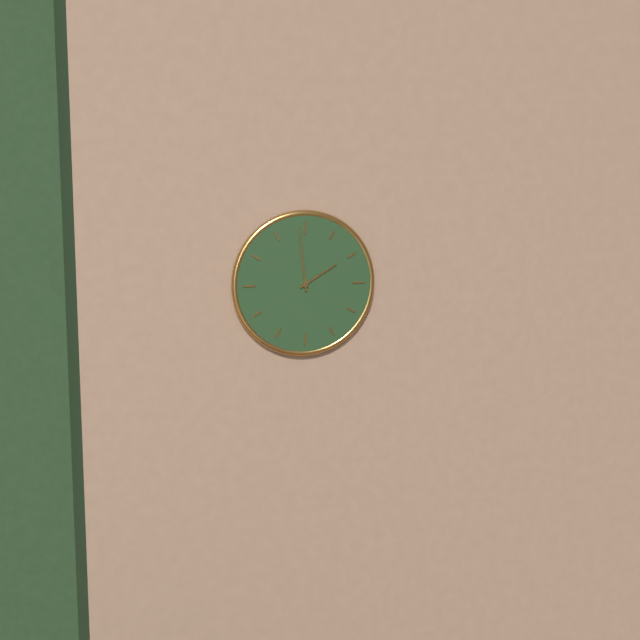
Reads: 1:59
